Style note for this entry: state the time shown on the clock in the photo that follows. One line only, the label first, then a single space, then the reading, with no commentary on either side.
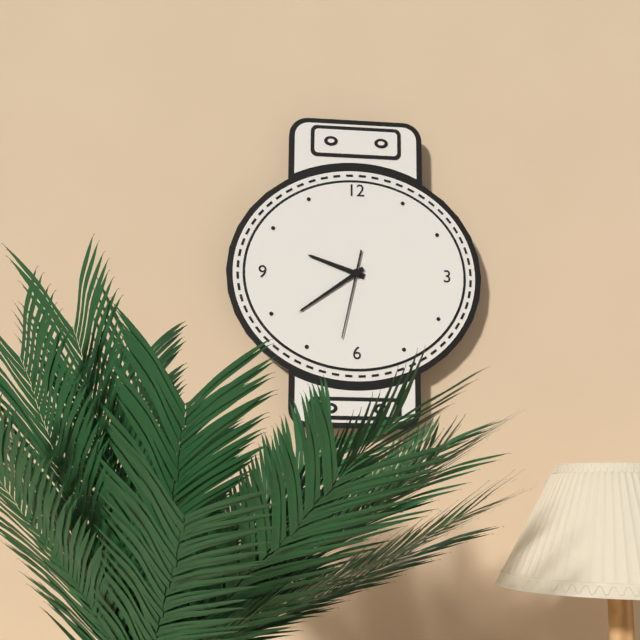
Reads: 9:39:32
